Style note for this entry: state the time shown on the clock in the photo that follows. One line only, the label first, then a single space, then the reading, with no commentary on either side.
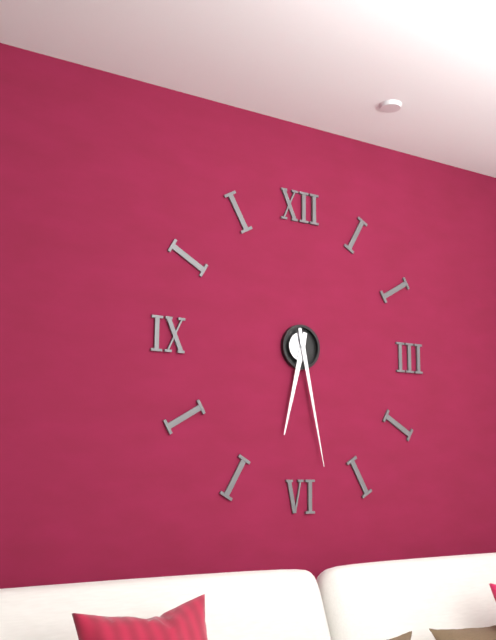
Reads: 6:28
